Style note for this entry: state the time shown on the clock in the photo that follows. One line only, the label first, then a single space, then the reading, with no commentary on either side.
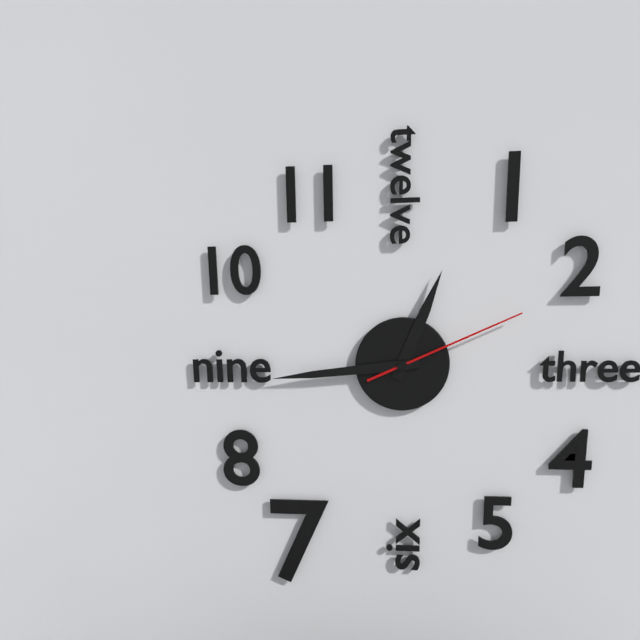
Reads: 12:44:11
